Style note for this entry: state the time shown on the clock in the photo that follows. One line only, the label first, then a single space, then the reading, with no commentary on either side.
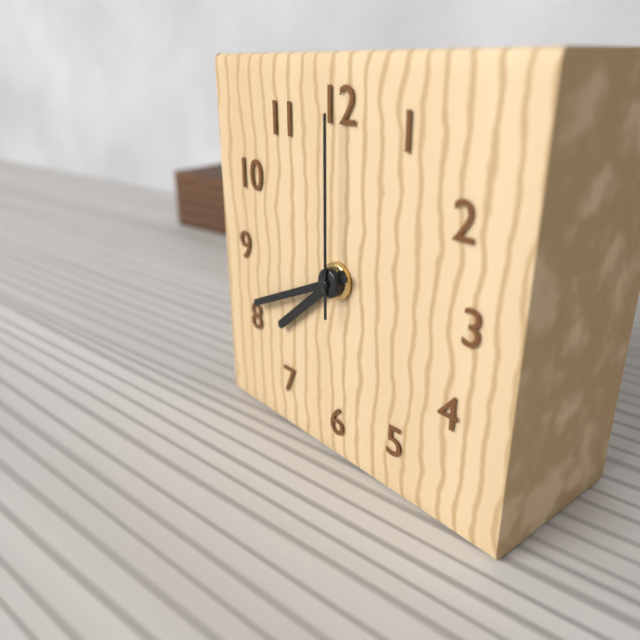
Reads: 7:41:00
